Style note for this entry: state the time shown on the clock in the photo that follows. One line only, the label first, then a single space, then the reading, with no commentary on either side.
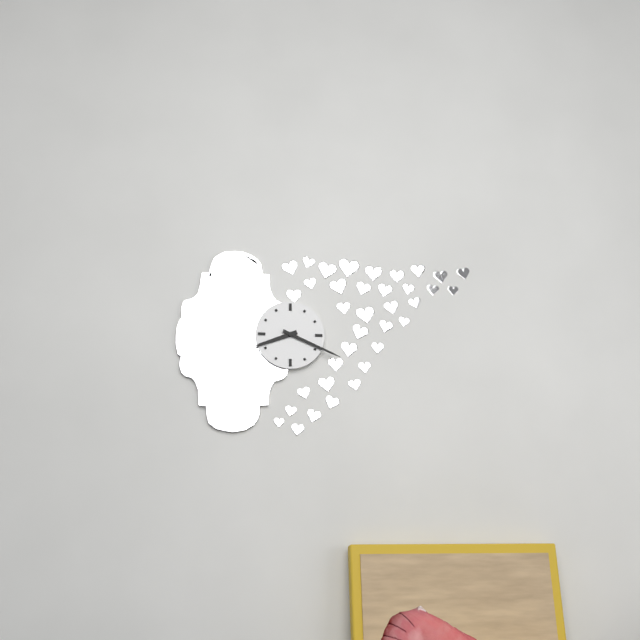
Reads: 8:19
